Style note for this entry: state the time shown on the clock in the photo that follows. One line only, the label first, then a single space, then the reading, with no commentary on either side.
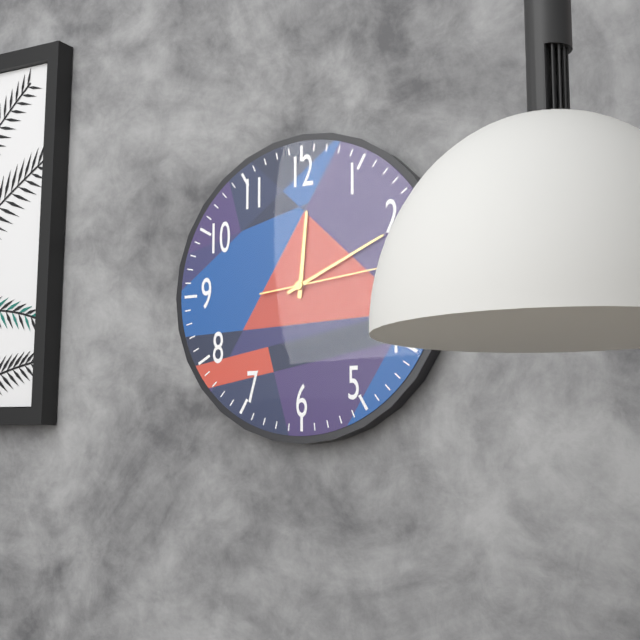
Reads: 12:11:14
